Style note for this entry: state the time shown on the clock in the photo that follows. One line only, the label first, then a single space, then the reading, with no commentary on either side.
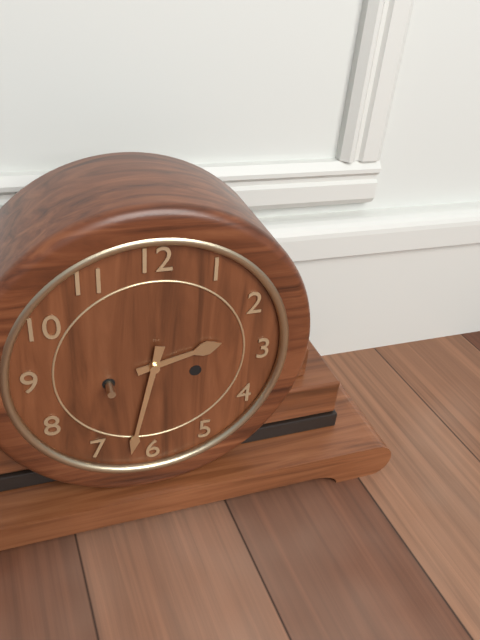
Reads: 2:32
